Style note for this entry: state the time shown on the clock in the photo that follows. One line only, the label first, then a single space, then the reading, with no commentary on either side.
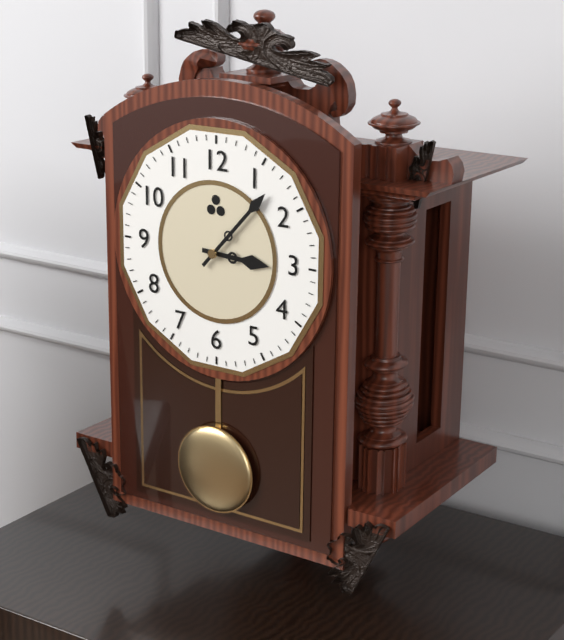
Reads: 3:07
